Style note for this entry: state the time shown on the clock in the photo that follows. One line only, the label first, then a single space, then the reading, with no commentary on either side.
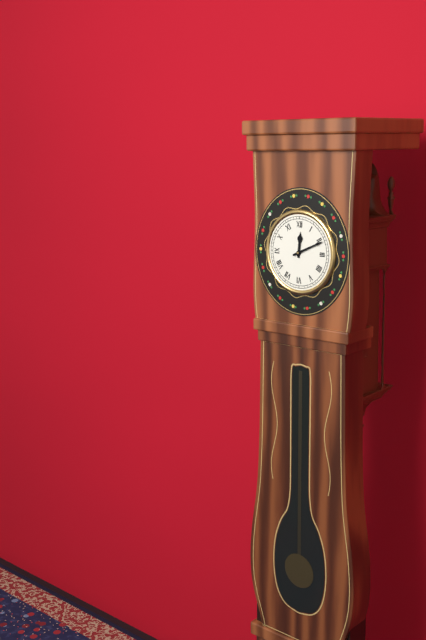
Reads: 12:11
